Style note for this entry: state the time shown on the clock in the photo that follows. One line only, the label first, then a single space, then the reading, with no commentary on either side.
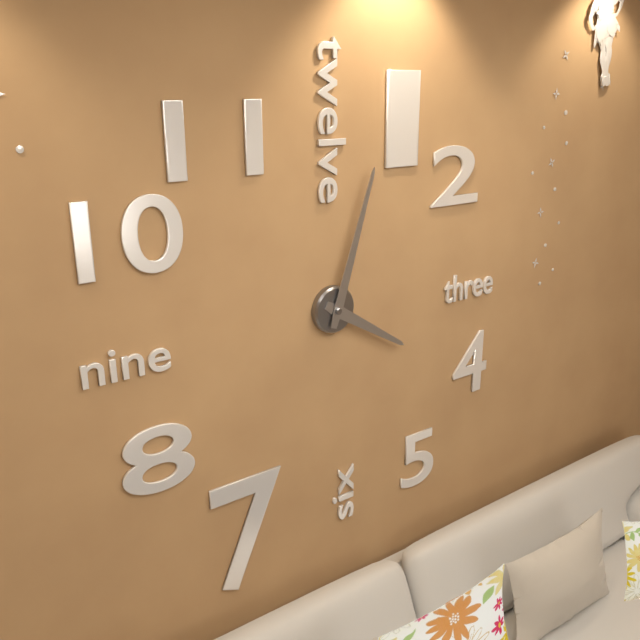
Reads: 4:03
